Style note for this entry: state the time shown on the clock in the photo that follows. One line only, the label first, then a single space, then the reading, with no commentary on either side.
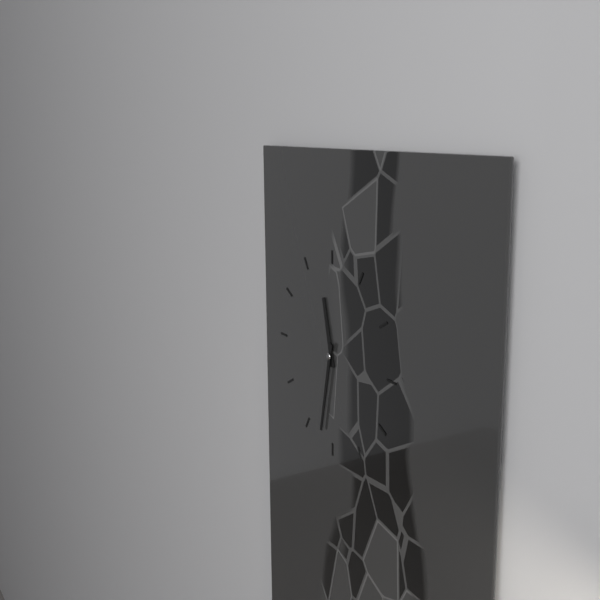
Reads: 11:32
